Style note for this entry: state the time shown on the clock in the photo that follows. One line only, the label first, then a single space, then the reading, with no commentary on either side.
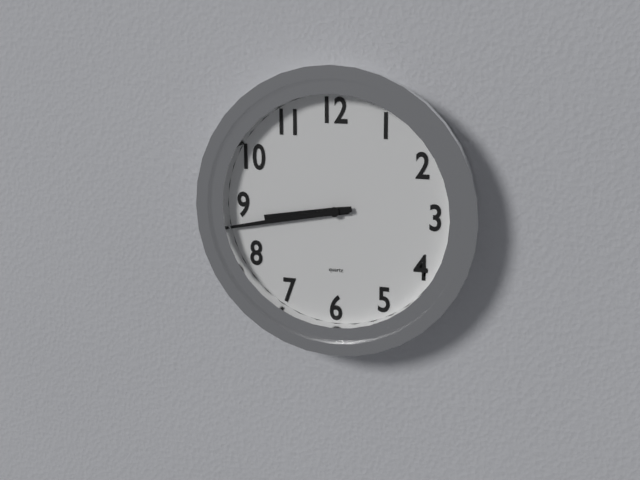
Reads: 8:43
